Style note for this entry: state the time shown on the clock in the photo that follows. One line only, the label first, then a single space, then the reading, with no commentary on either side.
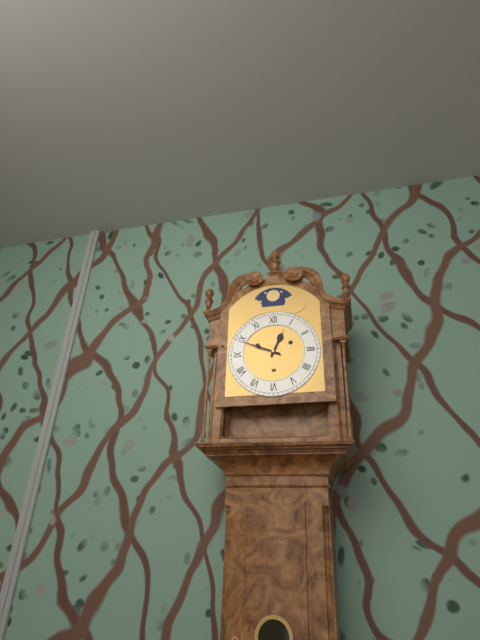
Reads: 12:49
